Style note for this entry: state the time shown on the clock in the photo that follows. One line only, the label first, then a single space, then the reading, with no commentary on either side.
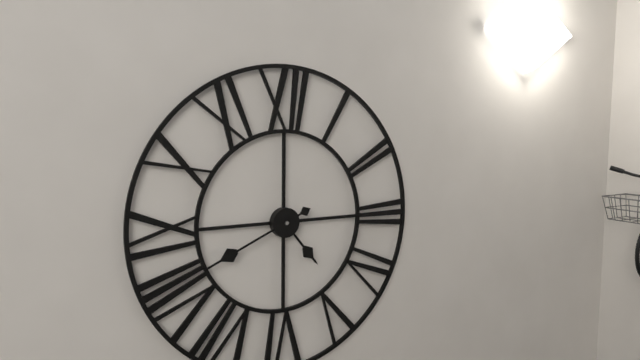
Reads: 4:41
